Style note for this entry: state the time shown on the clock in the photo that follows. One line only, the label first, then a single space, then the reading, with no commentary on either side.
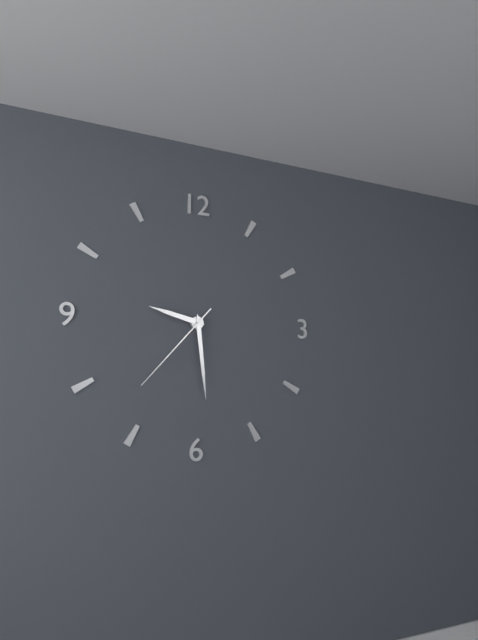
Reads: 9:29:37
